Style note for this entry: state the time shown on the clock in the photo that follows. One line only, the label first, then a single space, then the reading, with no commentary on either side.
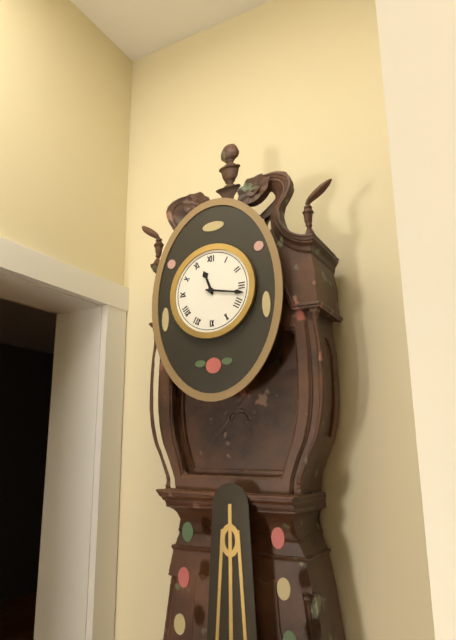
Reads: 11:17
